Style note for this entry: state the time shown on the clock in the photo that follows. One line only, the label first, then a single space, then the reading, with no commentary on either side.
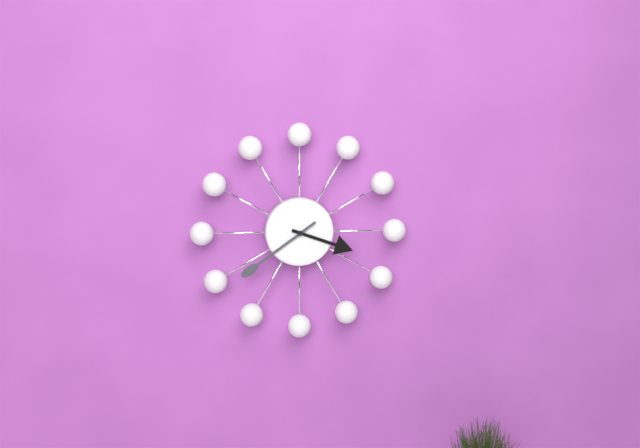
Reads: 3:39
